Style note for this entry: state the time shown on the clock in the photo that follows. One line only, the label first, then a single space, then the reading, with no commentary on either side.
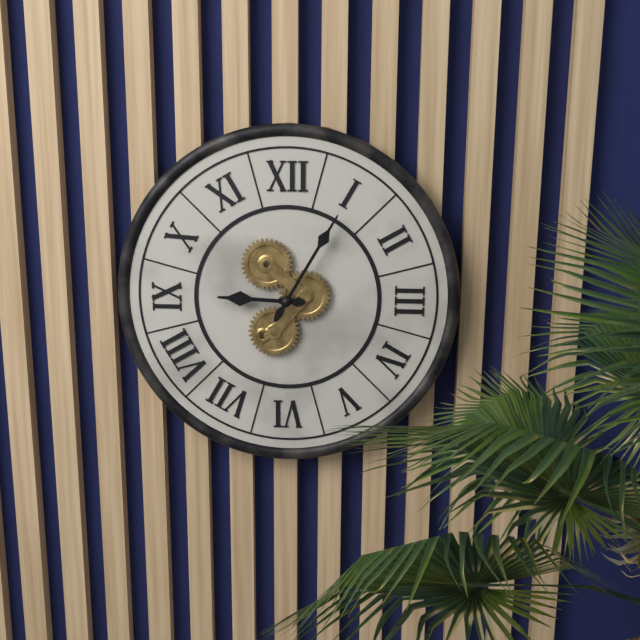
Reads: 9:05
